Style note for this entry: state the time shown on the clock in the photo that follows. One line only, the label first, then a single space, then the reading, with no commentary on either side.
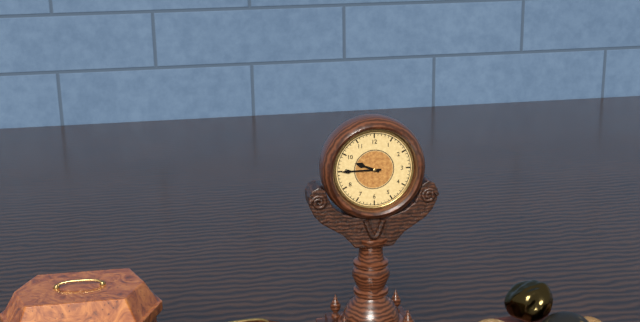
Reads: 9:45
